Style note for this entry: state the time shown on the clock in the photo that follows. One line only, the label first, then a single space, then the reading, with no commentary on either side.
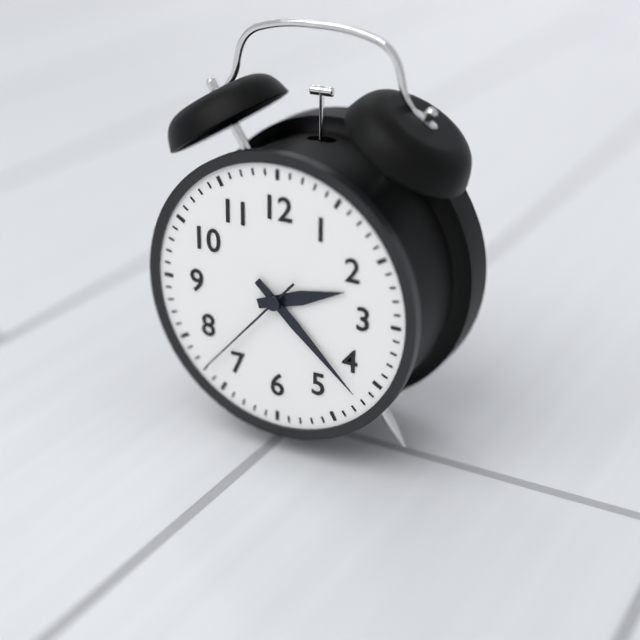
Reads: 2:22:37
